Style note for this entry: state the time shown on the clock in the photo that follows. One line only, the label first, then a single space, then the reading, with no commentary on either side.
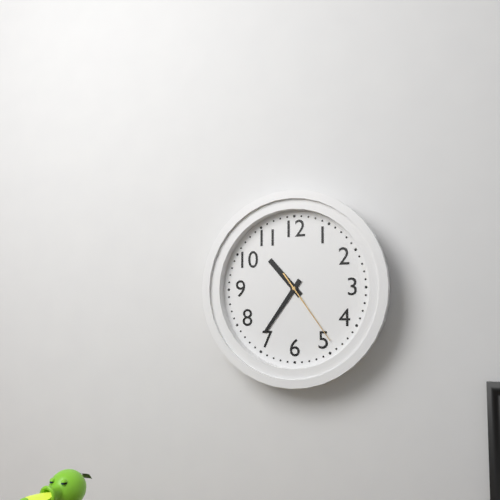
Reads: 10:36:24
